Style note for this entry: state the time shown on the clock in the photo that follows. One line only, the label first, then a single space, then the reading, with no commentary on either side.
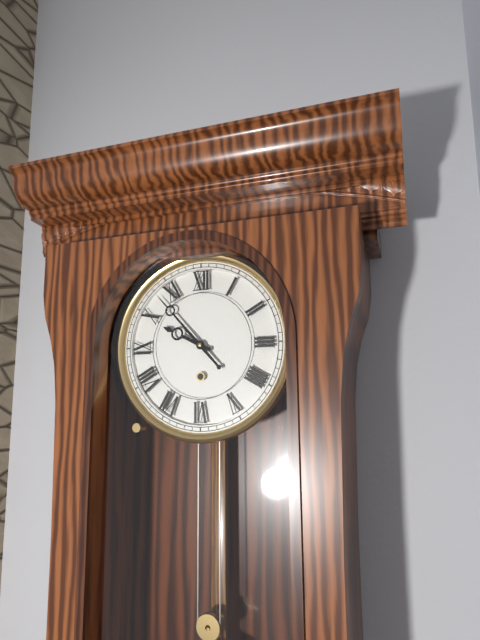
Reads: 9:53
